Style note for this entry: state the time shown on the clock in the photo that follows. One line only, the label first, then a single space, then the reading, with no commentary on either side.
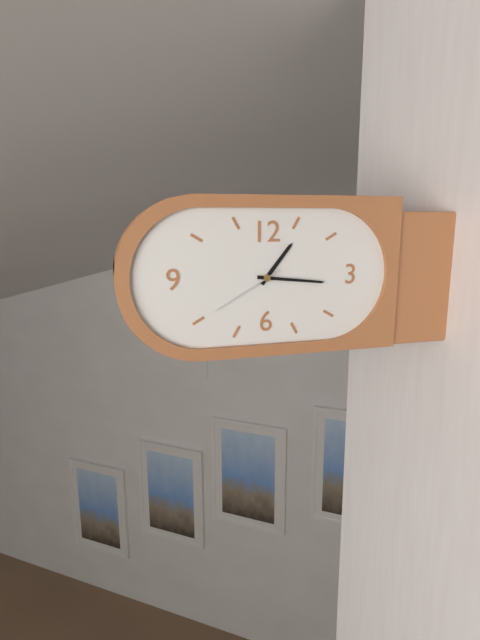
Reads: 1:16:40
